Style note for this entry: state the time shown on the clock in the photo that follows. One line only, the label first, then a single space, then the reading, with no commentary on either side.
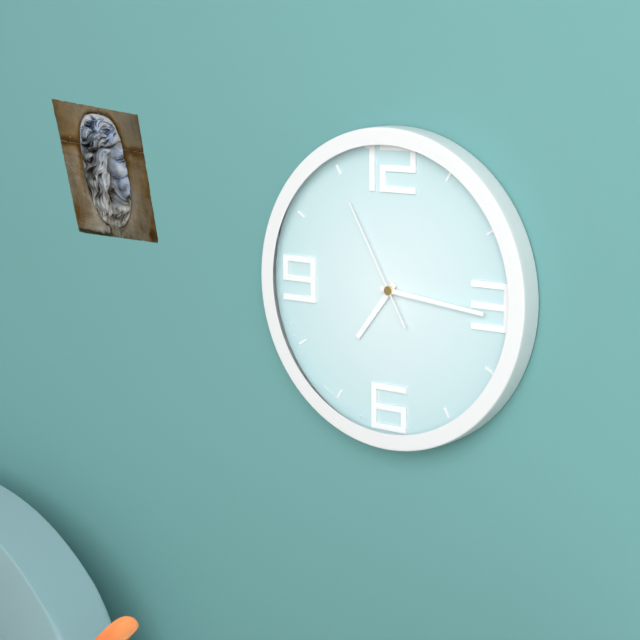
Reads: 7:16:55
